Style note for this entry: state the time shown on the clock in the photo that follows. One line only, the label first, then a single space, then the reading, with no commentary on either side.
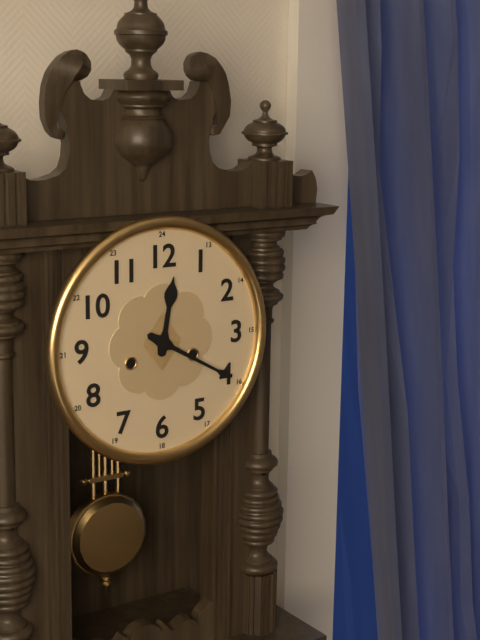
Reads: 12:20
